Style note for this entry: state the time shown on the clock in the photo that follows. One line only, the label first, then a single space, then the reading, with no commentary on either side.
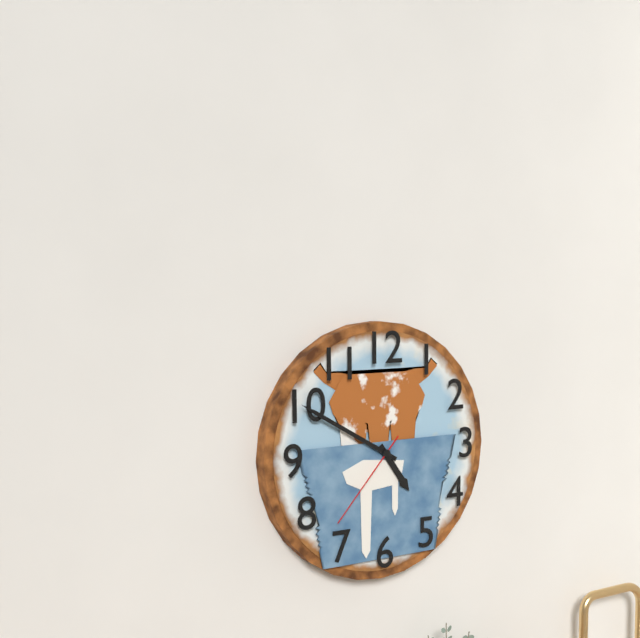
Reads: 4:50:37
